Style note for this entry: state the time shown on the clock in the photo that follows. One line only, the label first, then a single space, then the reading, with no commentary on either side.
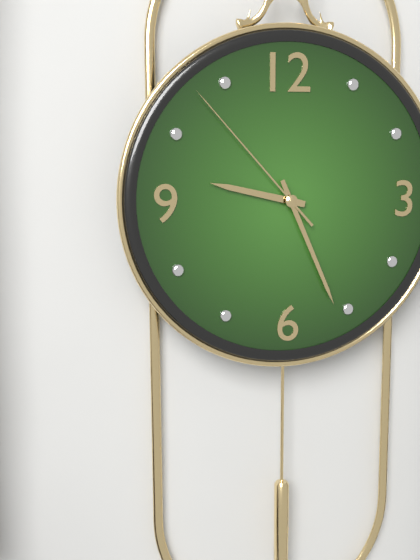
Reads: 9:26:53
